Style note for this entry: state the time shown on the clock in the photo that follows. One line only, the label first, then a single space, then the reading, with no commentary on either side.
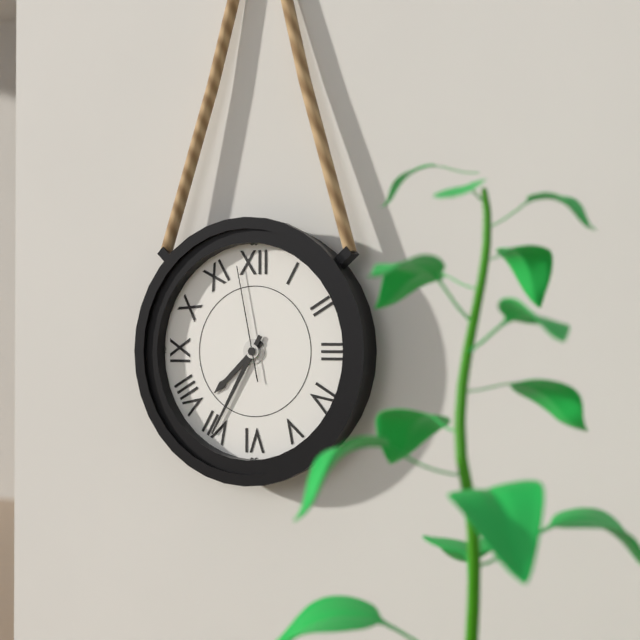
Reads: 7:35:58
